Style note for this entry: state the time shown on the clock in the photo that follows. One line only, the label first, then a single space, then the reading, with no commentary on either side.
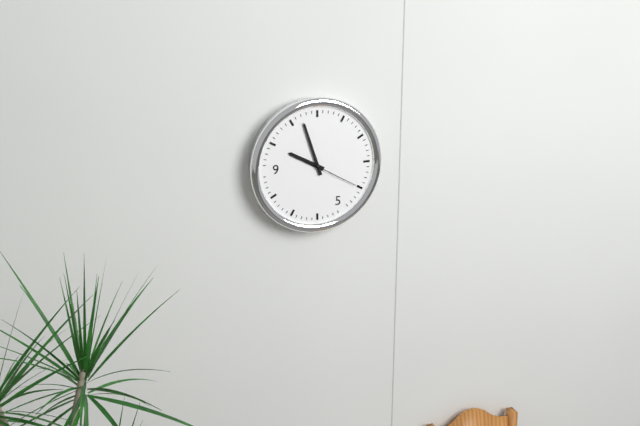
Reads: 9:57:20
